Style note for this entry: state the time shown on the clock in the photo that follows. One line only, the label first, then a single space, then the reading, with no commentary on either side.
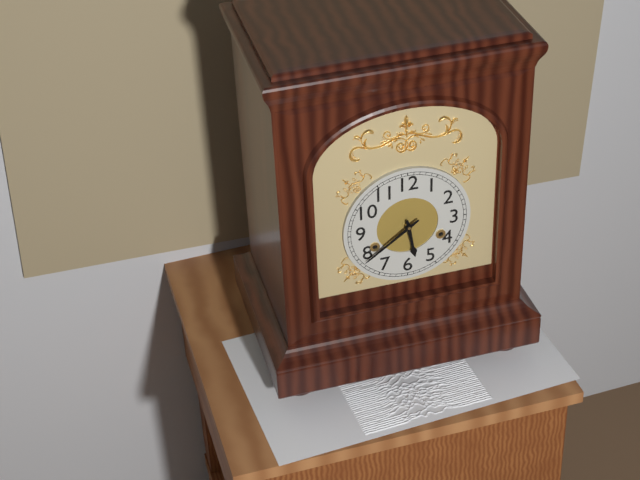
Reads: 5:39
